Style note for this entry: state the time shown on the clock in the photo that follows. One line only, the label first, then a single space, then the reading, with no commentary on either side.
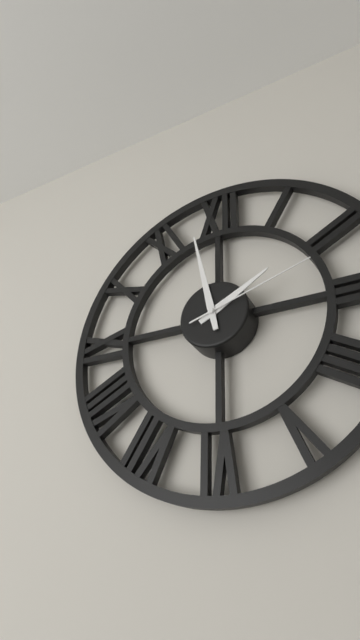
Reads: 1:58:12
